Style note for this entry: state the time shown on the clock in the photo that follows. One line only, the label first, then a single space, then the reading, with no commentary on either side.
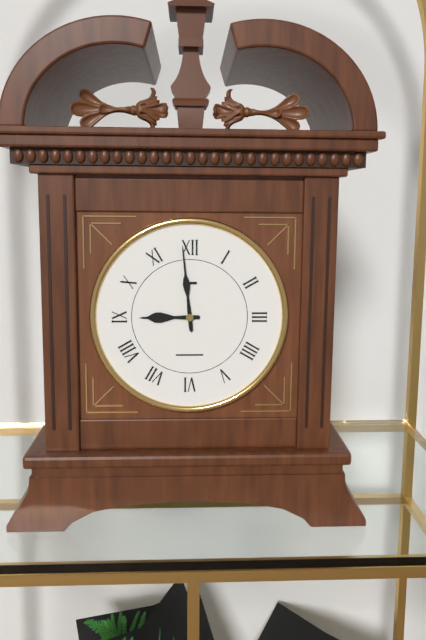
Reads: 8:59
